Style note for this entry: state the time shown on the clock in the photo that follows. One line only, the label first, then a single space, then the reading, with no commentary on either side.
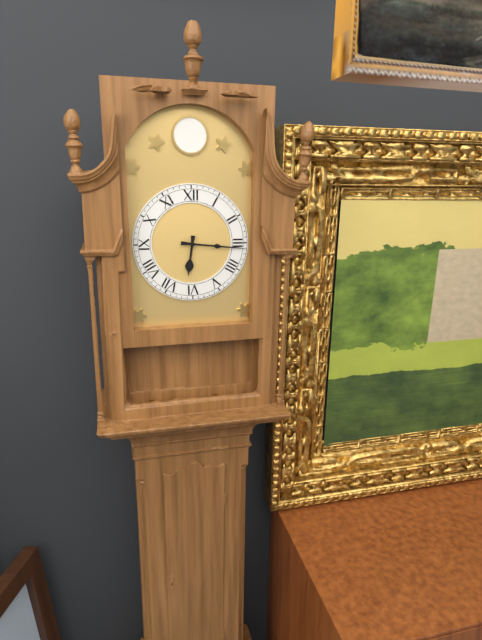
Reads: 6:16
